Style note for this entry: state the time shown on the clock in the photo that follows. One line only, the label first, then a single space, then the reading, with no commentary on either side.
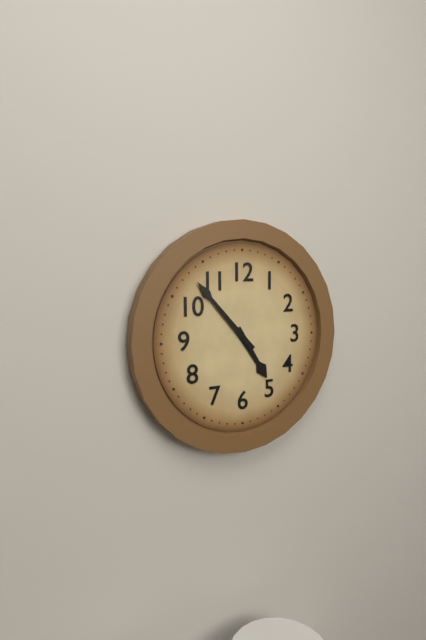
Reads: 4:53
